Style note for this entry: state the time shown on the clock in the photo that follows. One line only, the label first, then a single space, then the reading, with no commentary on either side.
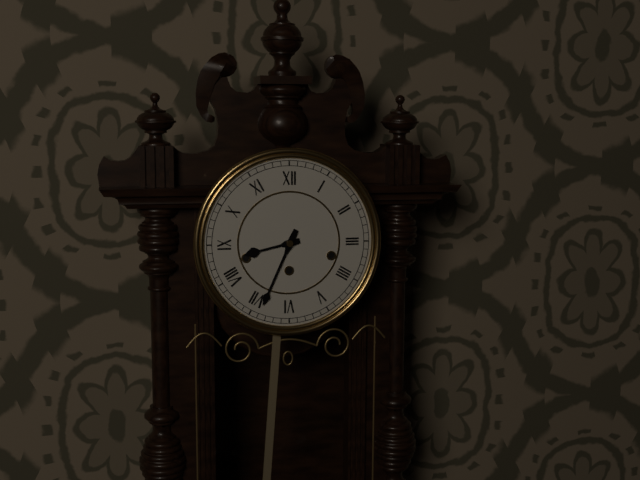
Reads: 8:34
